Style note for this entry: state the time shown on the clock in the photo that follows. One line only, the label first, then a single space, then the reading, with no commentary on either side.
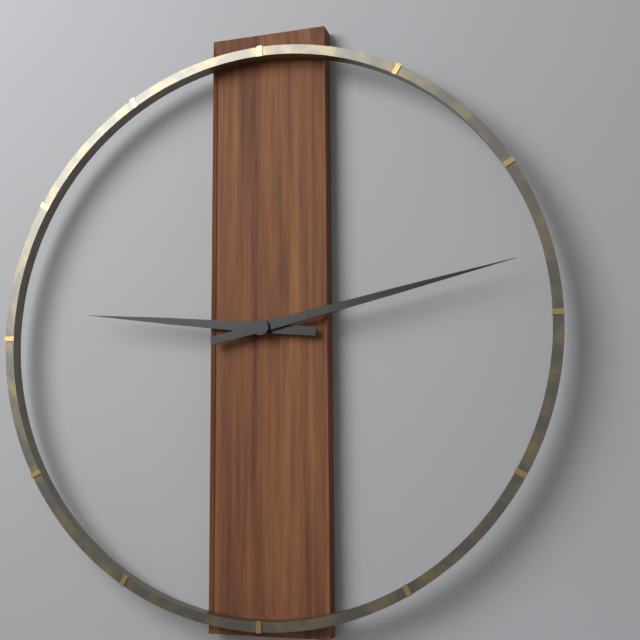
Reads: 9:13
